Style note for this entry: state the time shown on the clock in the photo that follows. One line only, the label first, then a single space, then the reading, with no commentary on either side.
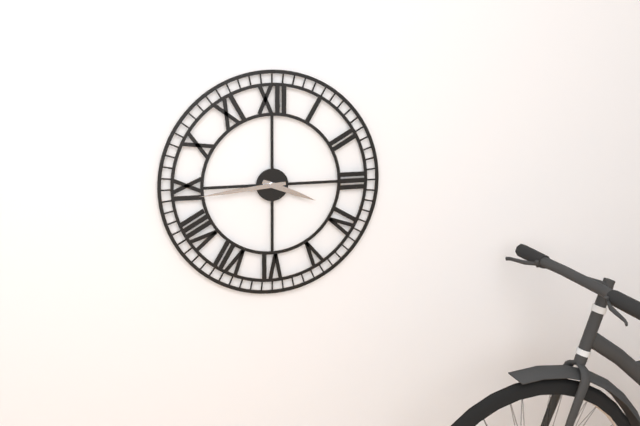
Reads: 3:44
